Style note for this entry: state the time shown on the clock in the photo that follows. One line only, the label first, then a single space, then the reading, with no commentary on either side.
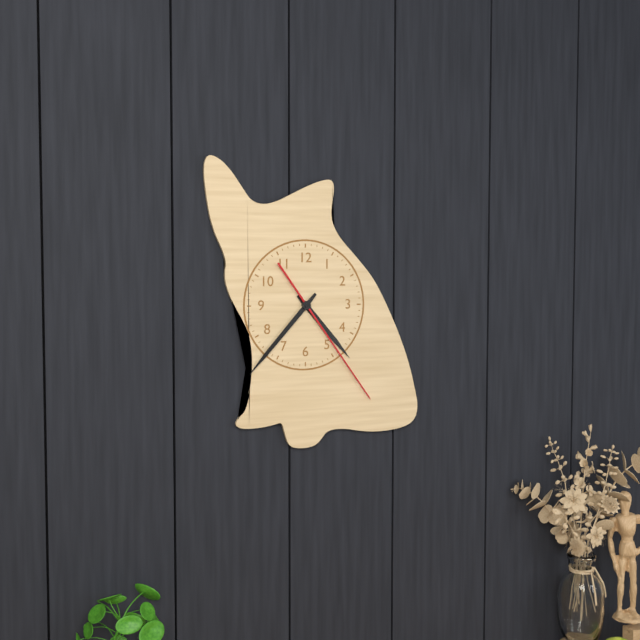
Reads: 4:37:24
